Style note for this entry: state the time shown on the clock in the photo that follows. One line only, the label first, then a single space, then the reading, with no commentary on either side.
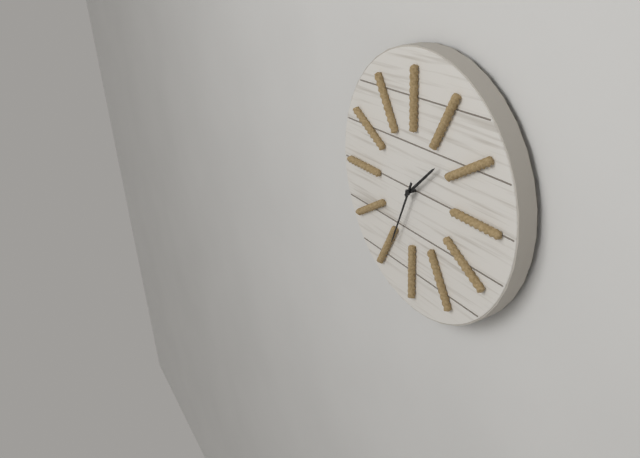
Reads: 1:34
